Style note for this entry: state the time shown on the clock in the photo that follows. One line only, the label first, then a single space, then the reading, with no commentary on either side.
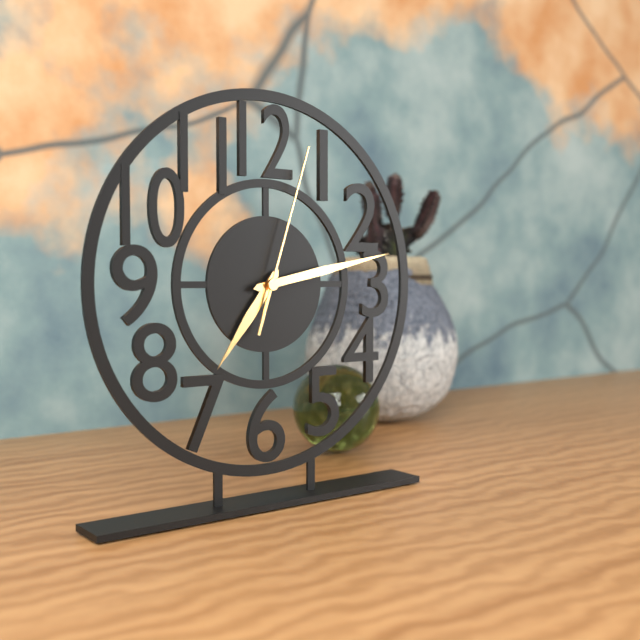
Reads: 7:13:03
